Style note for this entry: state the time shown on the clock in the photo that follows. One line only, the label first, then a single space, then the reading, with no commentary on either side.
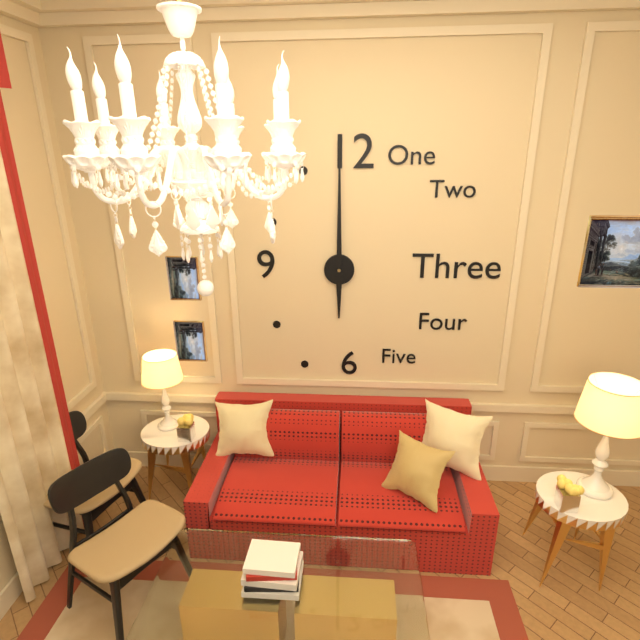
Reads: 6:00
